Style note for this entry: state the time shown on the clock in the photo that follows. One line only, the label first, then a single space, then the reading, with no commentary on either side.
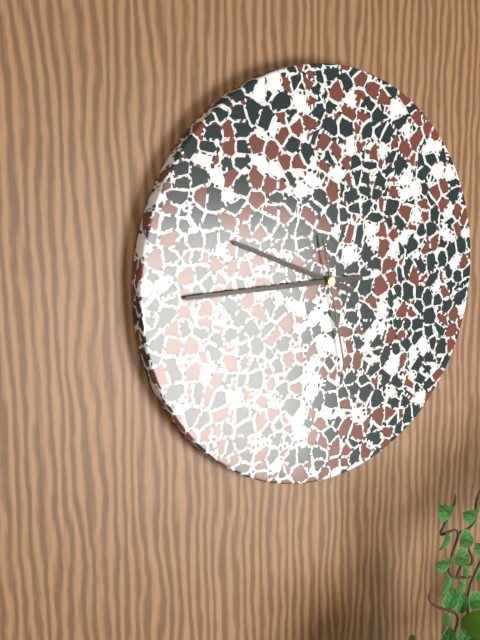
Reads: 9:45:28
